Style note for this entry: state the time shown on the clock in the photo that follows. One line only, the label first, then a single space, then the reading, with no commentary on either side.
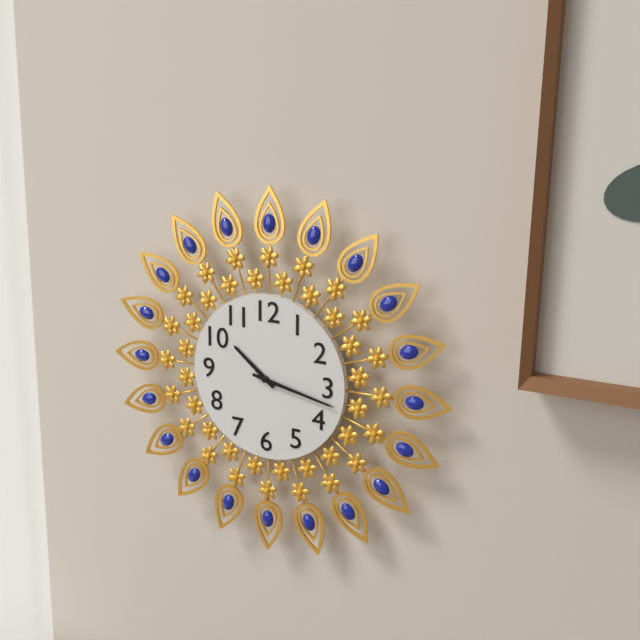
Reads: 10:17
